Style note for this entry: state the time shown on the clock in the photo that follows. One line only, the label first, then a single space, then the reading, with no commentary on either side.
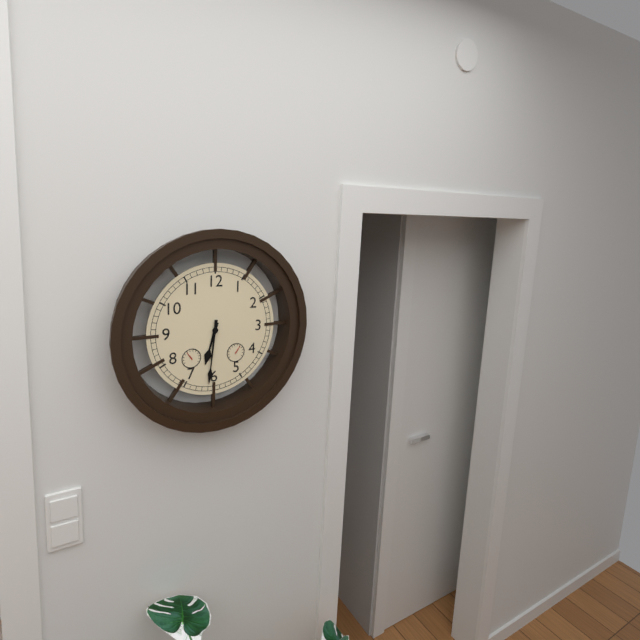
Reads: 6:31
